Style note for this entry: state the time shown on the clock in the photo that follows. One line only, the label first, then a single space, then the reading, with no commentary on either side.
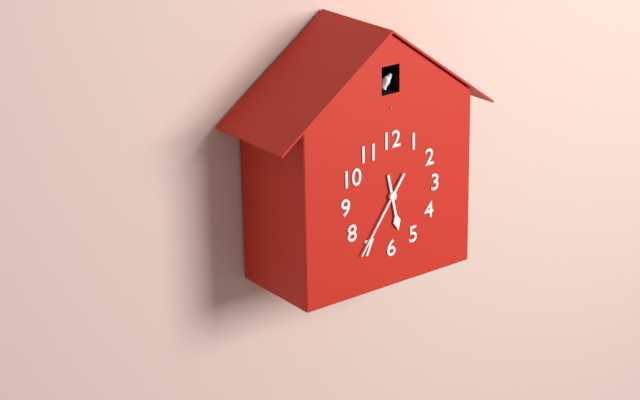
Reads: 5:36
